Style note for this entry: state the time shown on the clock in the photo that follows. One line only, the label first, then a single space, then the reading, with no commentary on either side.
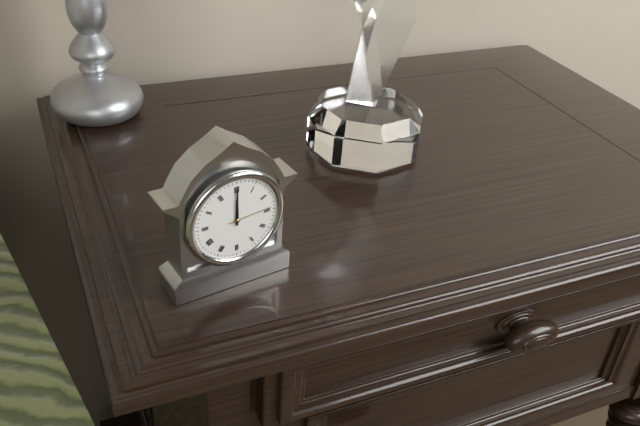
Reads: 12:00
